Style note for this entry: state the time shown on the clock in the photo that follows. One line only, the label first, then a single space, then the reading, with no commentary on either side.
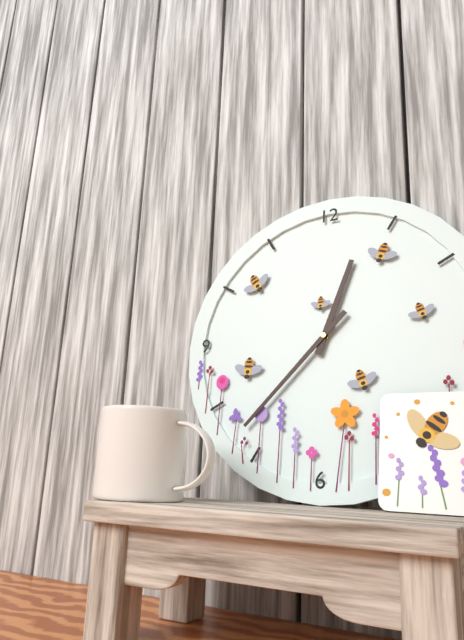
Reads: 12:37
